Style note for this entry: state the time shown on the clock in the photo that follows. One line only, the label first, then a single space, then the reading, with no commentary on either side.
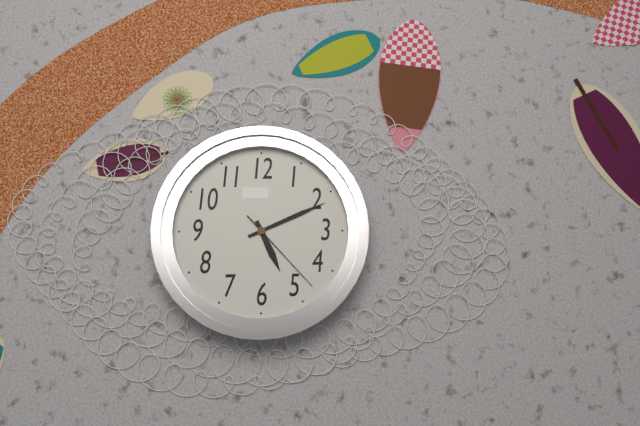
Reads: 5:11:23
